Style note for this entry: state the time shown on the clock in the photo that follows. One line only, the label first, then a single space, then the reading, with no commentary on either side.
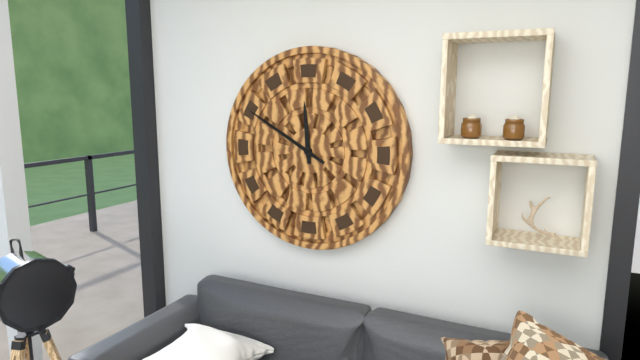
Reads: 11:50
